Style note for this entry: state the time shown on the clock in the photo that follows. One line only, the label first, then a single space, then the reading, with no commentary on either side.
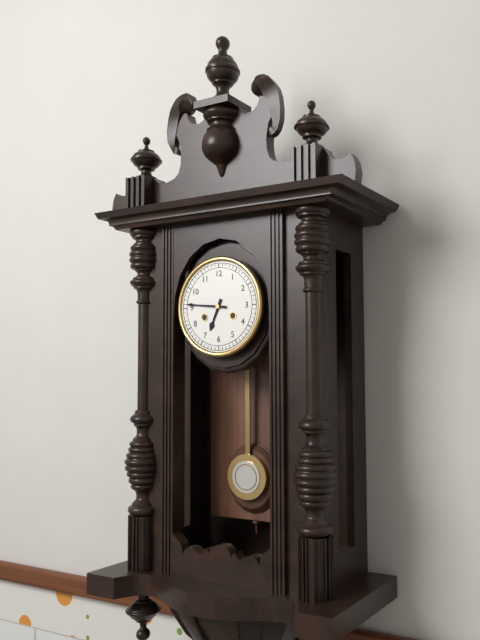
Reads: 6:46
